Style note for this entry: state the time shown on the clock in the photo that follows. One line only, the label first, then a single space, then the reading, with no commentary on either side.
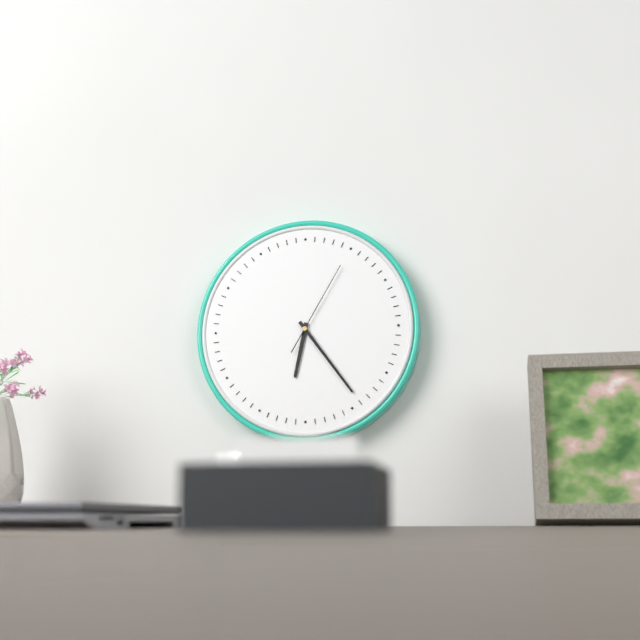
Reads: 6:24:05
